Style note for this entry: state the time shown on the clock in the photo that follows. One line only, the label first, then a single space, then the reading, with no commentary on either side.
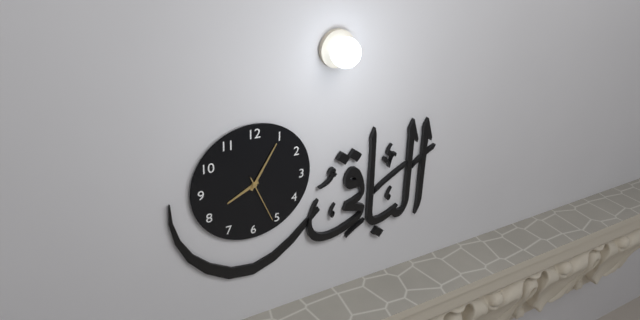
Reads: 8:05:26
